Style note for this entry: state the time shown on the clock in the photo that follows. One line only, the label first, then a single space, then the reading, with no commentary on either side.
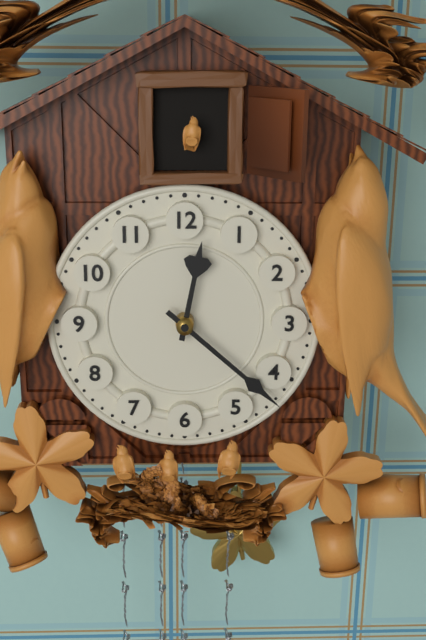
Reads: 12:22
